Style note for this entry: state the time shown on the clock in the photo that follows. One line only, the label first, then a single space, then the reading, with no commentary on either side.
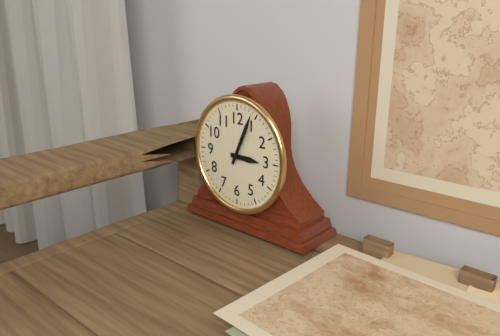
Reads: 3:04
